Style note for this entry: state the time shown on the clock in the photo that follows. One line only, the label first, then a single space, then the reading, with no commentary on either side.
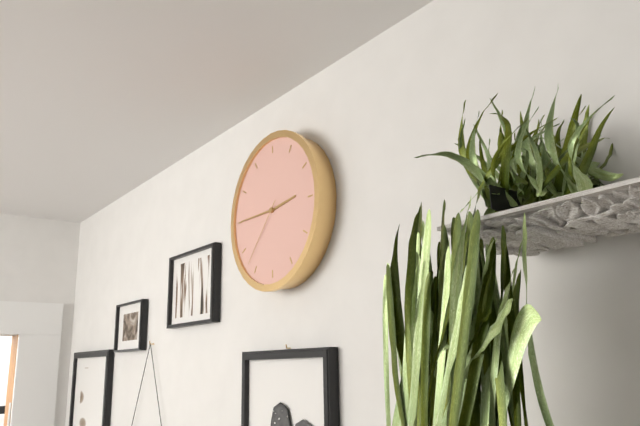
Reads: 2:45:37
